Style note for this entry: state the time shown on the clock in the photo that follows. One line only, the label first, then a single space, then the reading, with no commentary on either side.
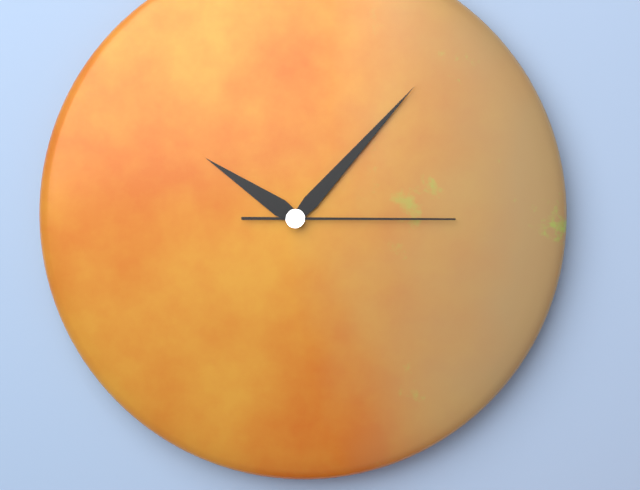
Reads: 10:07:15
